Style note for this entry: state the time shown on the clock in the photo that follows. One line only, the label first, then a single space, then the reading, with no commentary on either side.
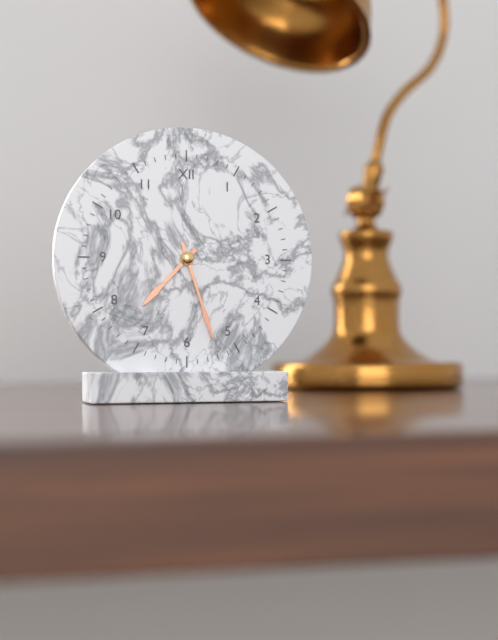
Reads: 7:27
